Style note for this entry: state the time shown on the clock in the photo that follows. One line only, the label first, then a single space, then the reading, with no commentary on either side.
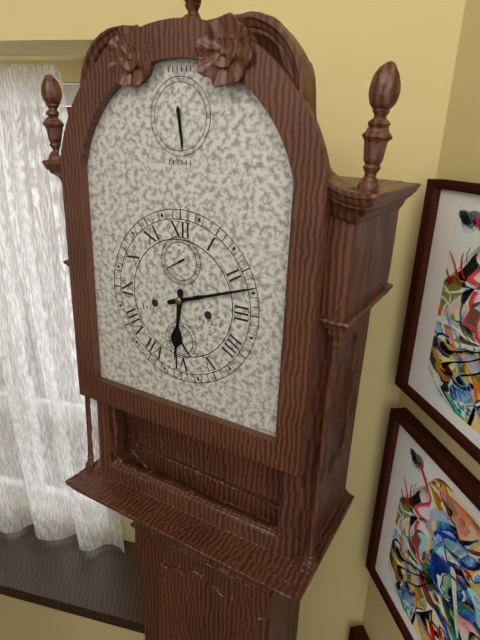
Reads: 6:12
